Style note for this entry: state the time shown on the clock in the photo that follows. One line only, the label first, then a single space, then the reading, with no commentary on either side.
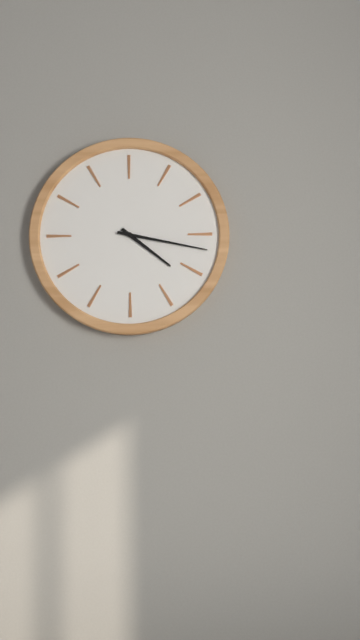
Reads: 4:17
